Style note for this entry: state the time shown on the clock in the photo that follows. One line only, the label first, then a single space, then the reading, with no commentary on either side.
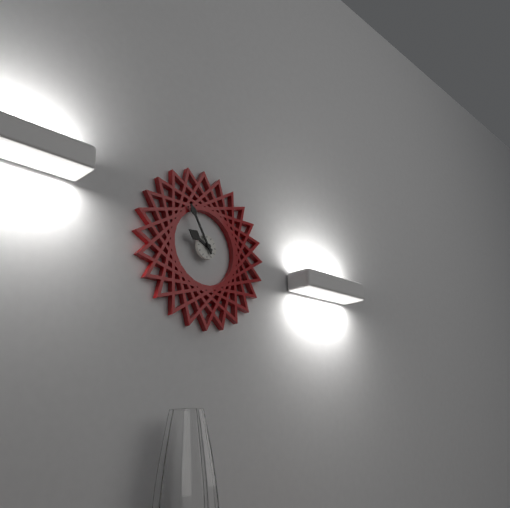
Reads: 9:55
